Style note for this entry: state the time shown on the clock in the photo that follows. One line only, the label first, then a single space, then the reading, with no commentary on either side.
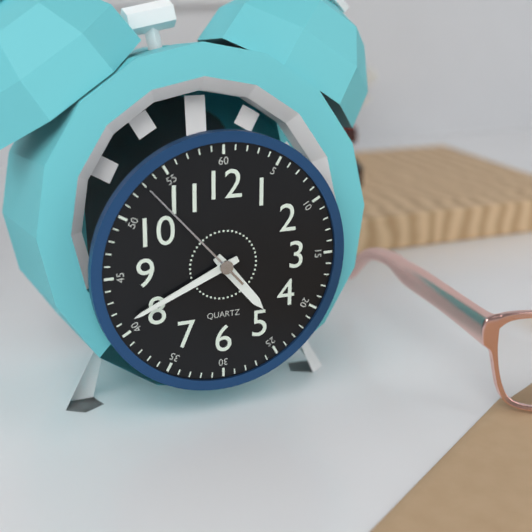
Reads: 4:41:53
